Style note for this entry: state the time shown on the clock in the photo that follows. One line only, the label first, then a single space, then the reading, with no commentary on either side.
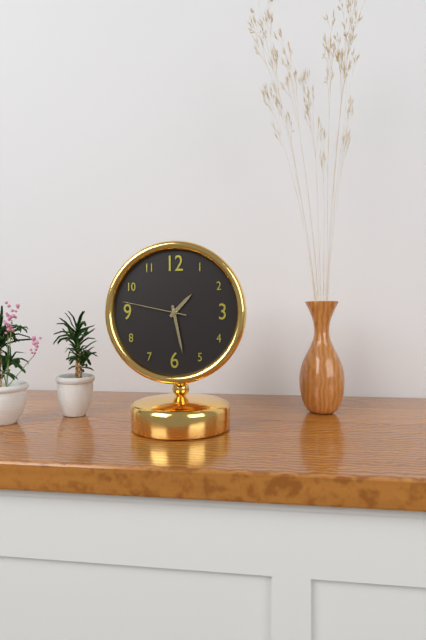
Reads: 1:28:47
